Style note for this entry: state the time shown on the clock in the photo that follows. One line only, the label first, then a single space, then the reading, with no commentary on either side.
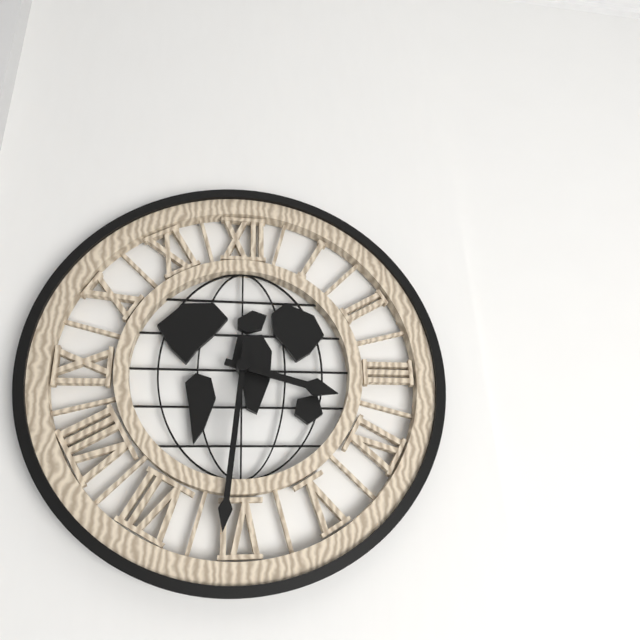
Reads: 3:31
